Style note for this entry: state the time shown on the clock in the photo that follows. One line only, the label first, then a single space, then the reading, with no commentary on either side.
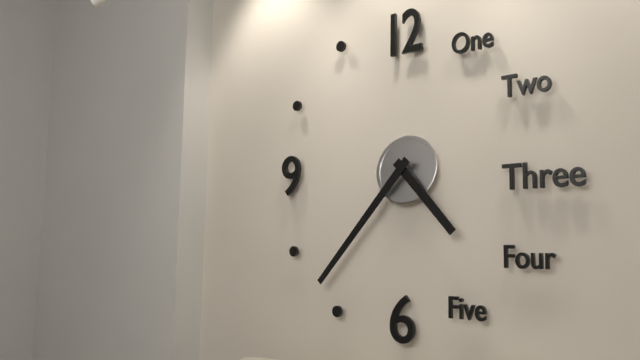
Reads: 4:37
